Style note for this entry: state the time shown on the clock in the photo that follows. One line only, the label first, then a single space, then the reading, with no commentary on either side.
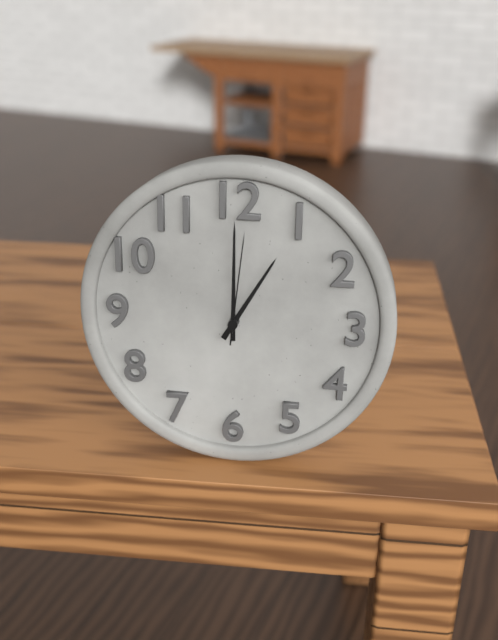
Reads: 1:00:01
